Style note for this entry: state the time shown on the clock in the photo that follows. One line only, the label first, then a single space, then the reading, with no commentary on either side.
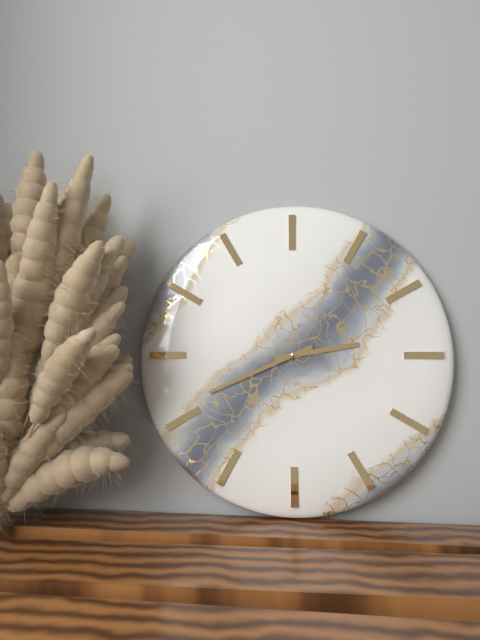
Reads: 2:41
